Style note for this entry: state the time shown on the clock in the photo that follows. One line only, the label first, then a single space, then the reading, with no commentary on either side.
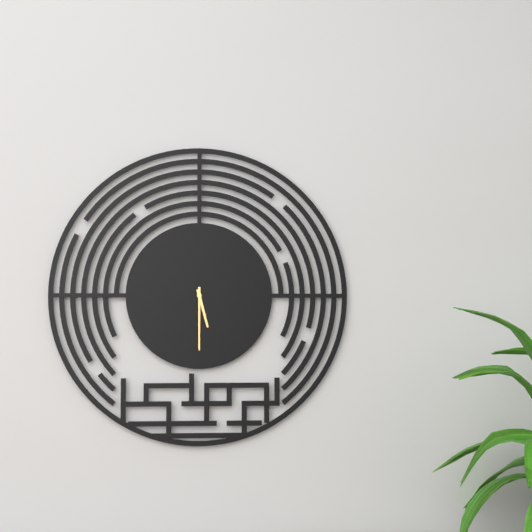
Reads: 5:30
